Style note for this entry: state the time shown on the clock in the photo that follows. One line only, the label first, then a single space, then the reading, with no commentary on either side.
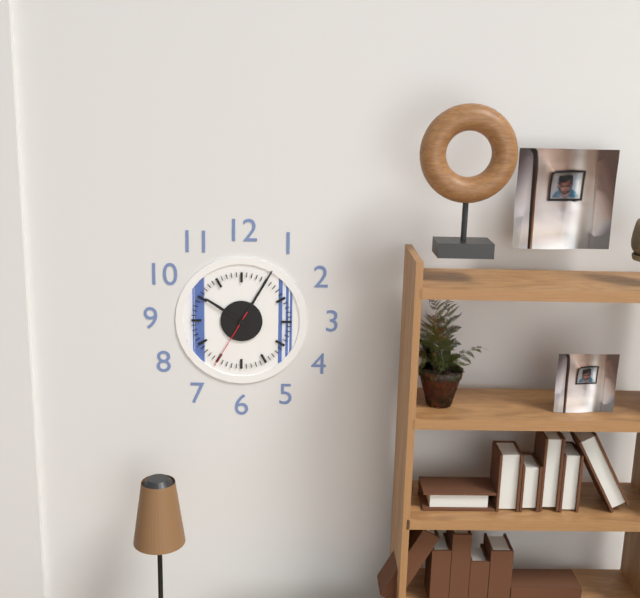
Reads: 10:05:35
